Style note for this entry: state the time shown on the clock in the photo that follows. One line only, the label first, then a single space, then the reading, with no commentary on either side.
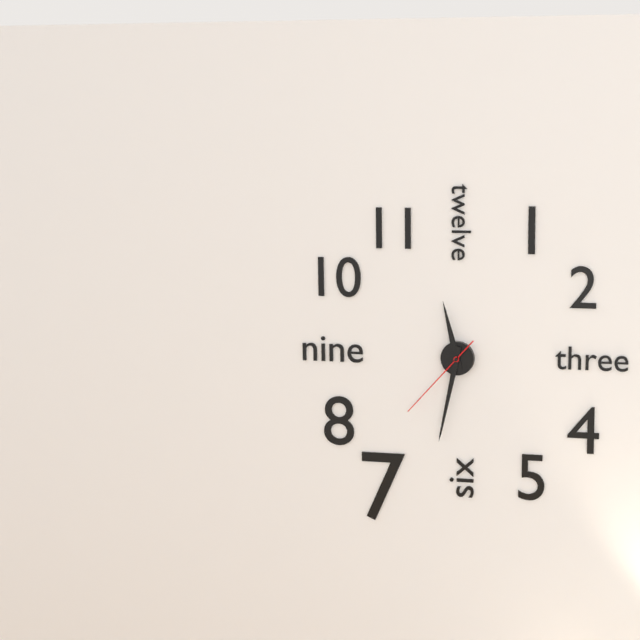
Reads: 11:32:37
